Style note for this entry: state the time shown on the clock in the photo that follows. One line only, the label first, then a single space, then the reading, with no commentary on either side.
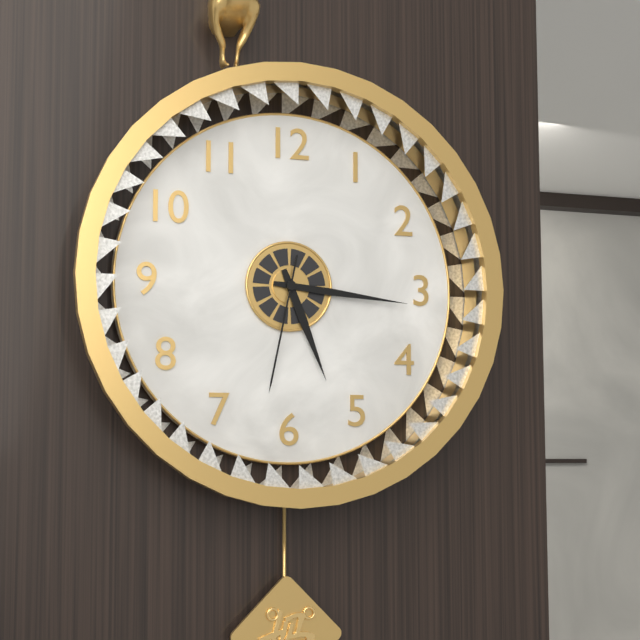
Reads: 5:16:32
